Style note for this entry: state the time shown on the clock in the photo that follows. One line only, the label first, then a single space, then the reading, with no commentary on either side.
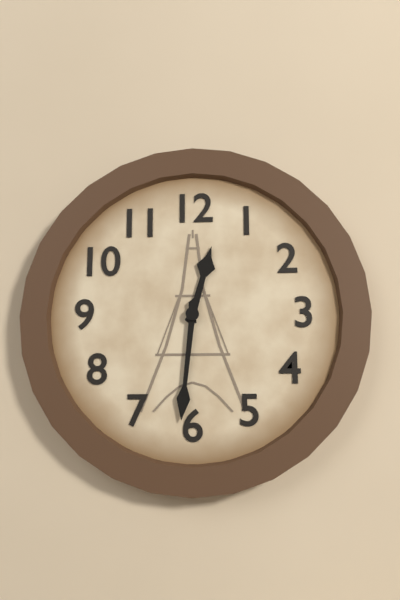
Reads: 12:31
